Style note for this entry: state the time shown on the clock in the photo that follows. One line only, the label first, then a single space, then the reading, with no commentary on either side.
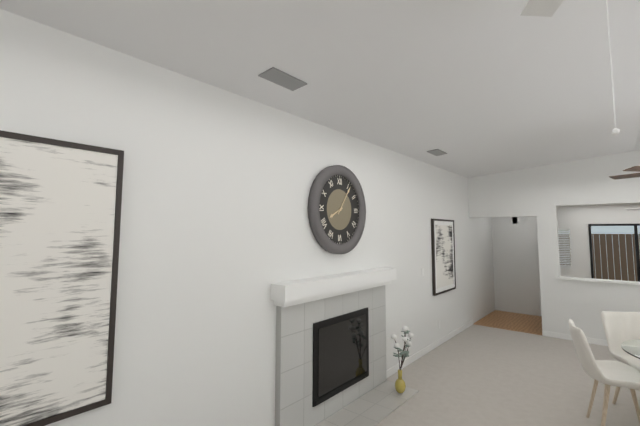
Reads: 8:06
